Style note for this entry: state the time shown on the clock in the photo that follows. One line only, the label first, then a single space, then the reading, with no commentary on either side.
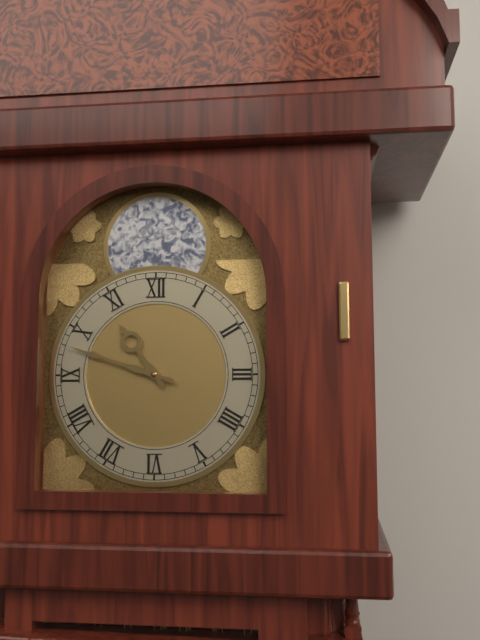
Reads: 10:48
